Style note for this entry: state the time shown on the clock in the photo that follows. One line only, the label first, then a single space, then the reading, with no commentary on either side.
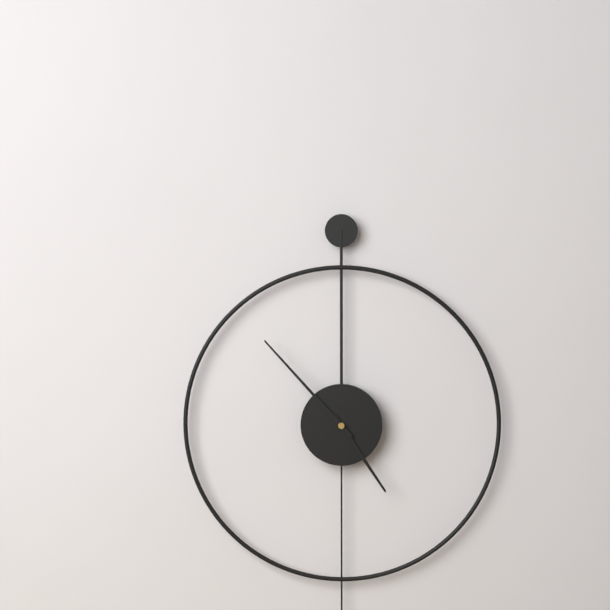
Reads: 4:53
